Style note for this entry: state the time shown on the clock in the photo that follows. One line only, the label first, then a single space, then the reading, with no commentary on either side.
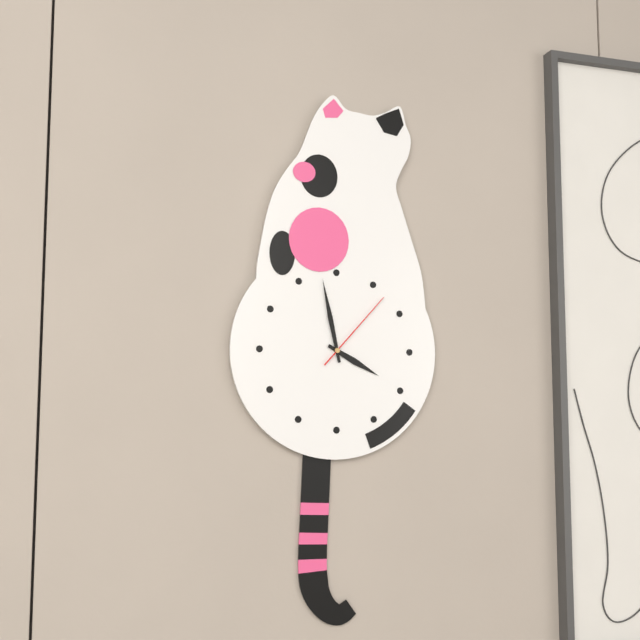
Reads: 3:58:07
